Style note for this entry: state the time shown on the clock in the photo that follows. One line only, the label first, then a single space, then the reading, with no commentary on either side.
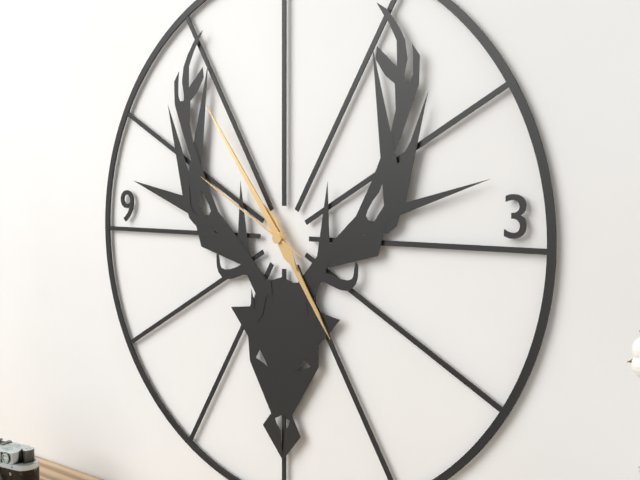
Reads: 4:54:50
